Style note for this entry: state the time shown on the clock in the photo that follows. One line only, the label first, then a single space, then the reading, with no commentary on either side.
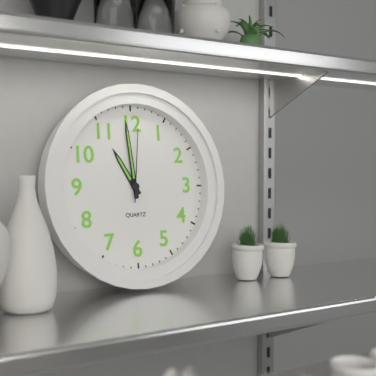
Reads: 10:59:01
